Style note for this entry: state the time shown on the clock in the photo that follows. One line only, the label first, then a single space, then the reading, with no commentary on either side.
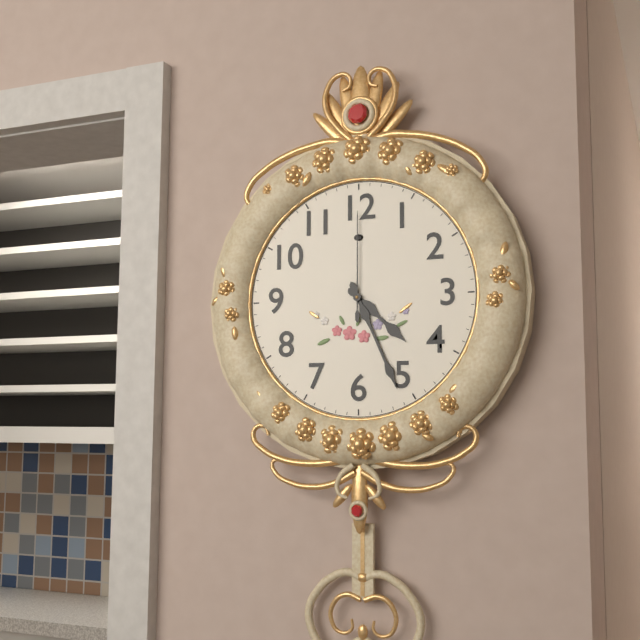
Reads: 4:26:00
